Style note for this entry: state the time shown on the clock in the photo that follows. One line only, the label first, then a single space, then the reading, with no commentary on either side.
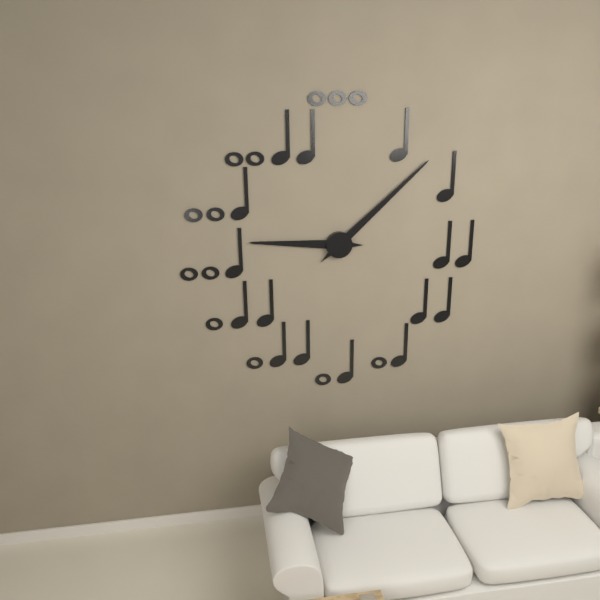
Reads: 9:08
